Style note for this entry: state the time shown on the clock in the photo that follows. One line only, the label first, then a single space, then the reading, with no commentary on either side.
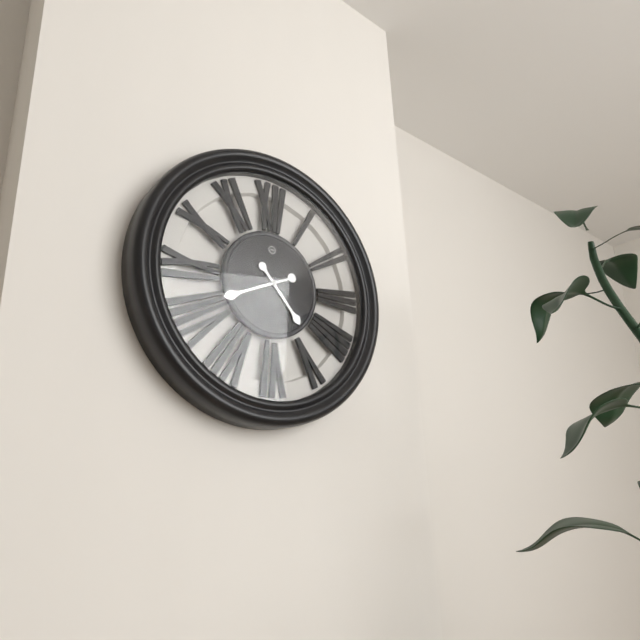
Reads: 4:41
